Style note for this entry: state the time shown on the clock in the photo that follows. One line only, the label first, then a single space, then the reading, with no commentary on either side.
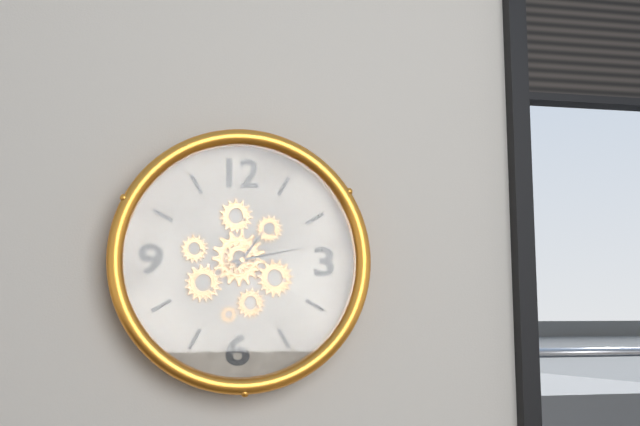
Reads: 1:13
